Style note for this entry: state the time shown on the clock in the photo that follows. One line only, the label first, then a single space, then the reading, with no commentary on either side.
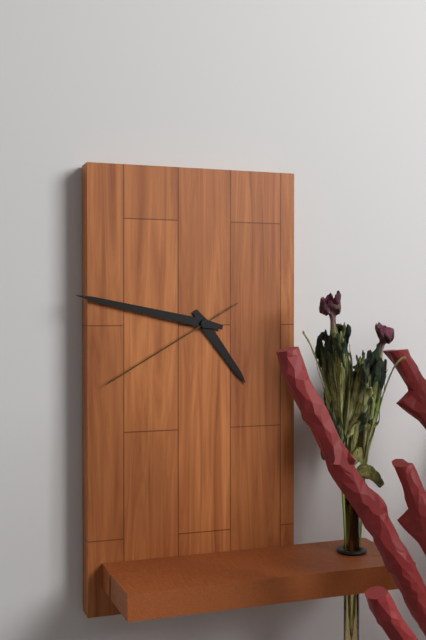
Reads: 4:47:40
